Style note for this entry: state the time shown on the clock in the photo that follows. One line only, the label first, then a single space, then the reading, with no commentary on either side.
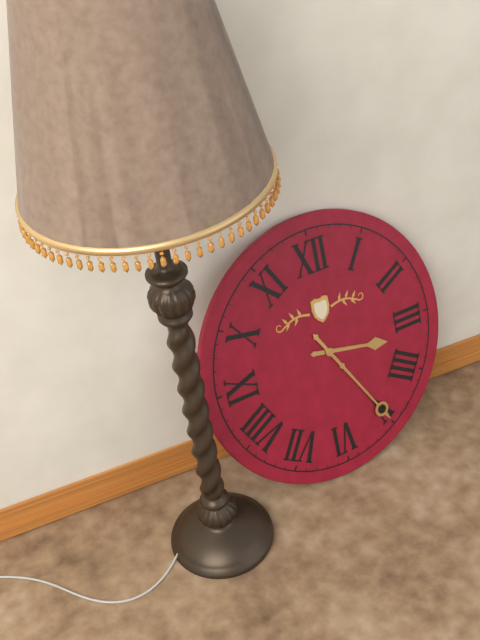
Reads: 3:25
